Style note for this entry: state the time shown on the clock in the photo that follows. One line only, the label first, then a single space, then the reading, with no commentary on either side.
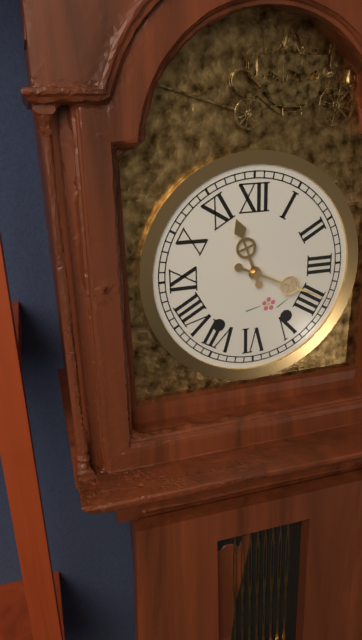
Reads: 11:19
